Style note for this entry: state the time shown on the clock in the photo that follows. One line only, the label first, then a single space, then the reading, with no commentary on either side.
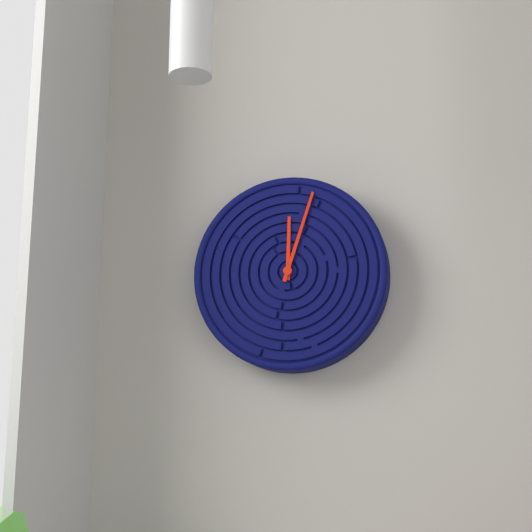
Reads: 12:03
